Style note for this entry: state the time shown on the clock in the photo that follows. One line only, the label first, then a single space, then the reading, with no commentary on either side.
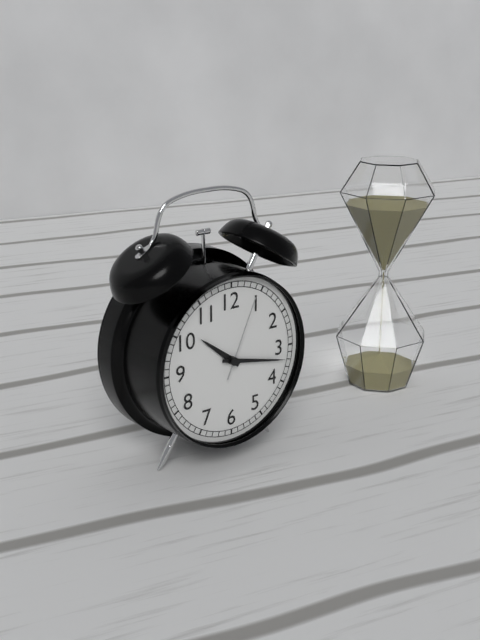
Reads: 10:17:04
